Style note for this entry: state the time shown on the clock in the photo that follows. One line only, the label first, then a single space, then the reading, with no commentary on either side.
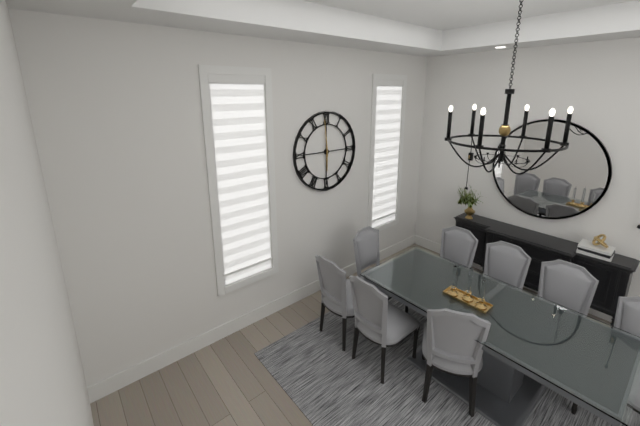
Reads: 5:59
